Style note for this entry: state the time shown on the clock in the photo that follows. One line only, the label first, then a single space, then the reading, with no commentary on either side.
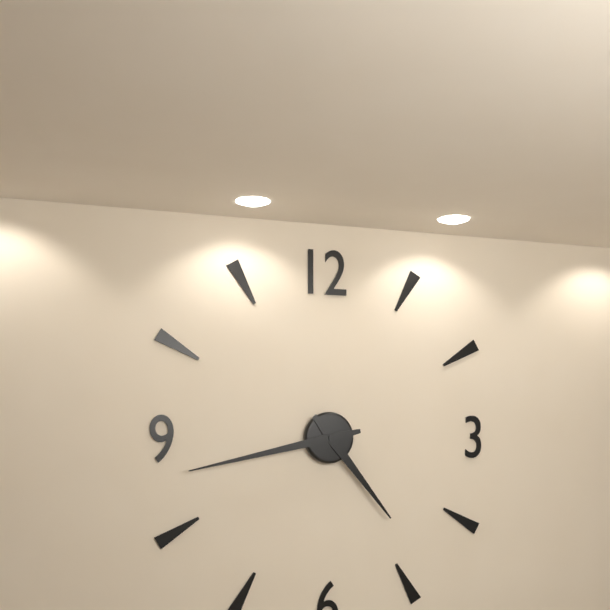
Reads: 4:43
